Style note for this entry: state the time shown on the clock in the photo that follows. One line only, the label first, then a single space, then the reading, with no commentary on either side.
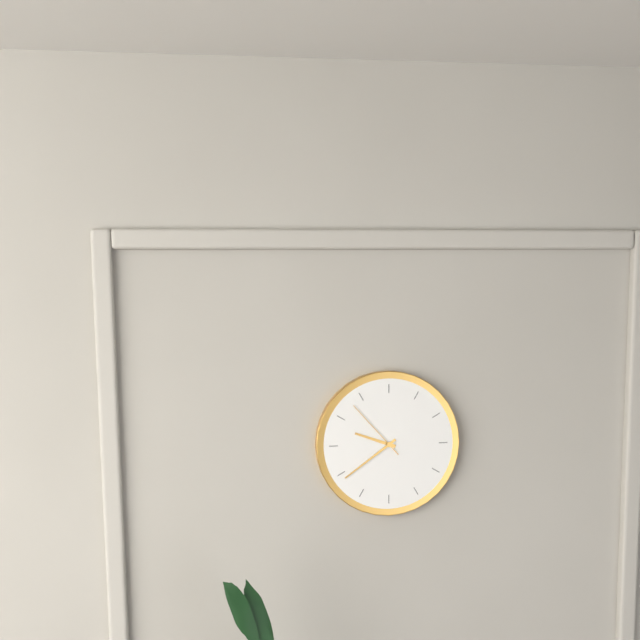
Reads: 9:39:53
